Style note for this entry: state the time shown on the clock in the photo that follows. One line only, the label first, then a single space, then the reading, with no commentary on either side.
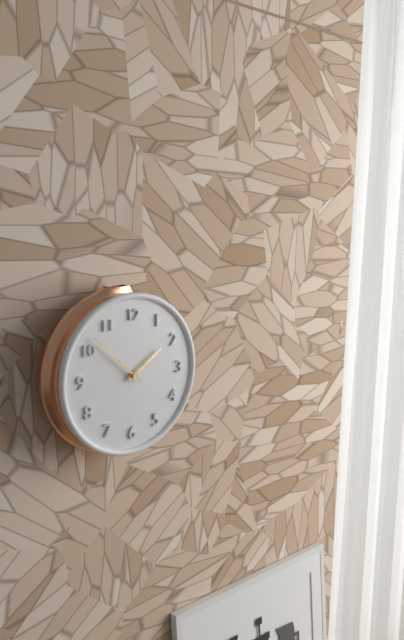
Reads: 1:52
